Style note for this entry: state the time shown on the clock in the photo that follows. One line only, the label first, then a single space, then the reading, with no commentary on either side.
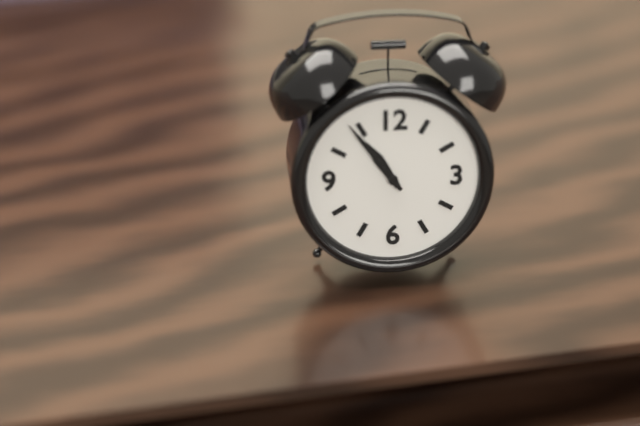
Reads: 10:54
